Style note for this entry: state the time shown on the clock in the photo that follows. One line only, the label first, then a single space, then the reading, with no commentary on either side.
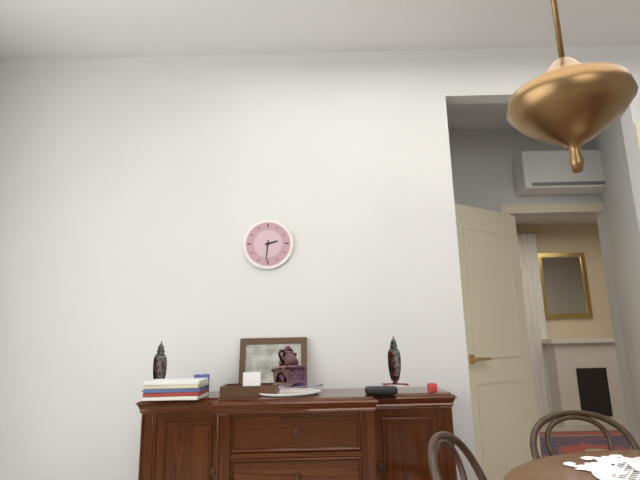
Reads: 2:31
